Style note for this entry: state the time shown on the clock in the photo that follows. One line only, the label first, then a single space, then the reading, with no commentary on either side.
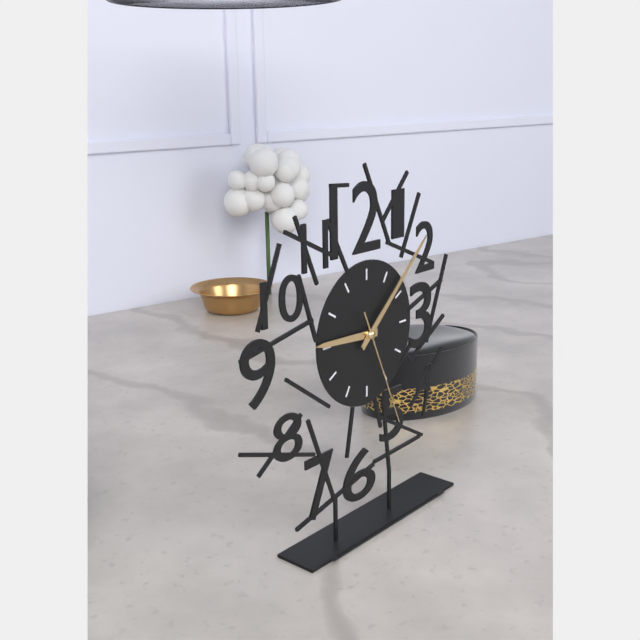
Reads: 9:08:26
